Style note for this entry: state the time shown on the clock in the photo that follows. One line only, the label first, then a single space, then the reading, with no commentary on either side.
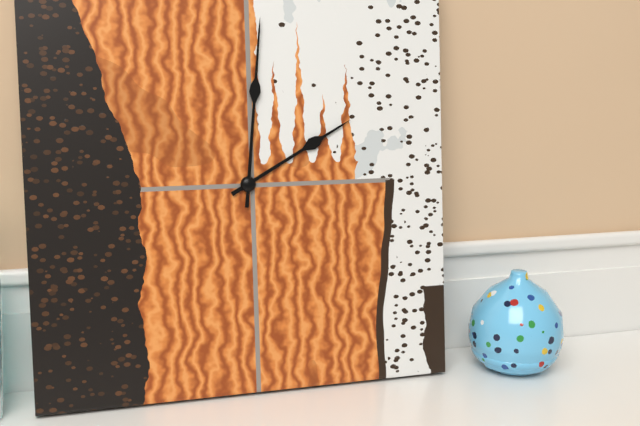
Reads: 2:01
